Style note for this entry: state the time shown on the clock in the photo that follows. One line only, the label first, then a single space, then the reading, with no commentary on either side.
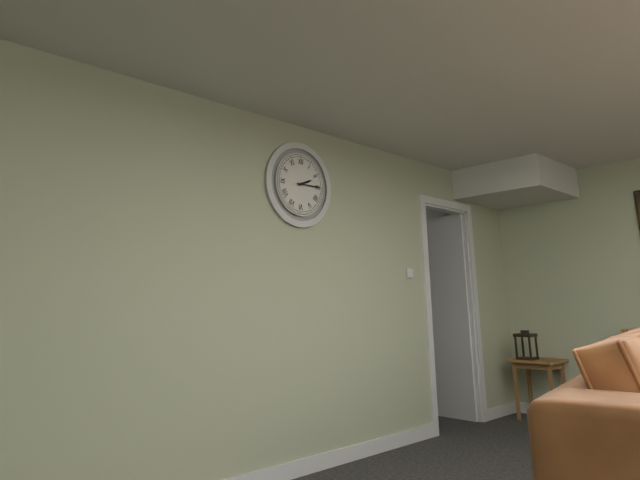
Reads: 2:15
